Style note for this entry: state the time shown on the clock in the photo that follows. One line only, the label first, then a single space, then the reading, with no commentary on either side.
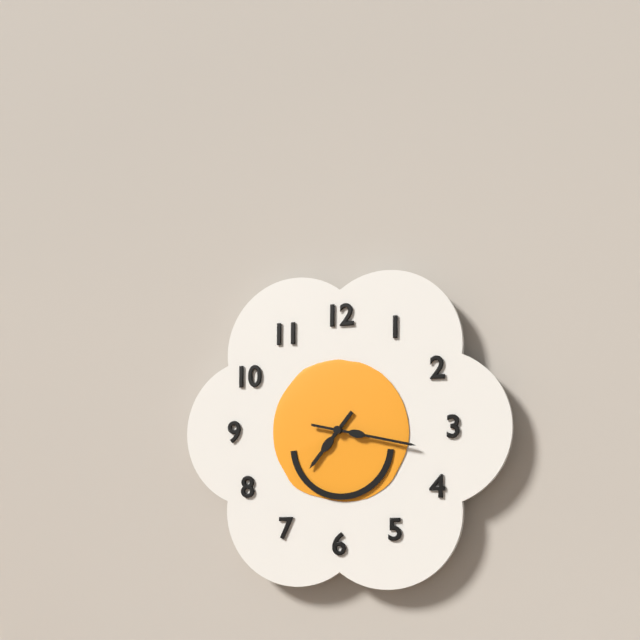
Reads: 7:17
